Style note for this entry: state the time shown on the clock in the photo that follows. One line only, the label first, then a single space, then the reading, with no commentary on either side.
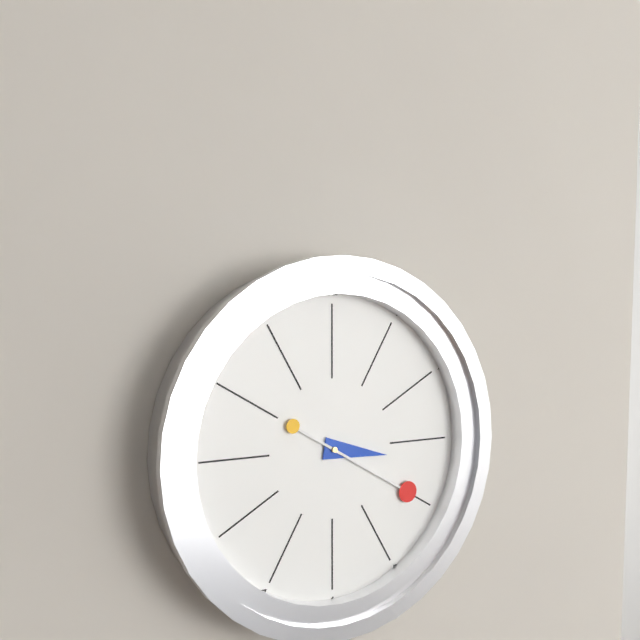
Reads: 3:20
